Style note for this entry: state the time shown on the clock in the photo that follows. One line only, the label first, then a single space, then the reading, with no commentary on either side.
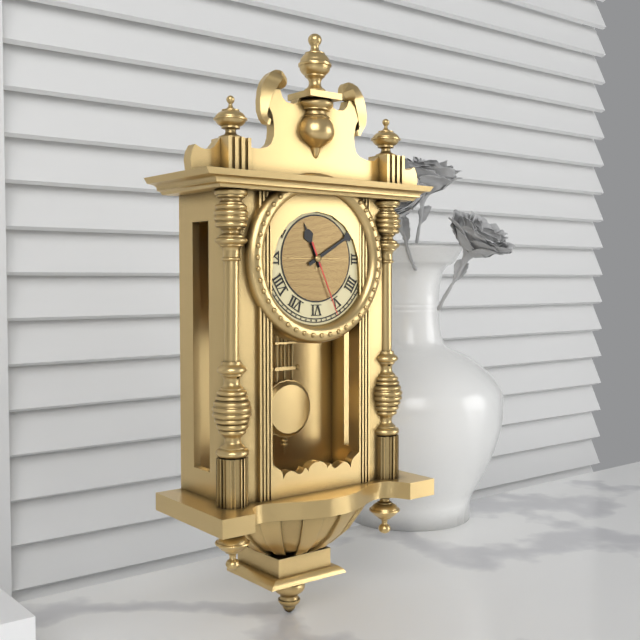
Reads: 11:10:26
